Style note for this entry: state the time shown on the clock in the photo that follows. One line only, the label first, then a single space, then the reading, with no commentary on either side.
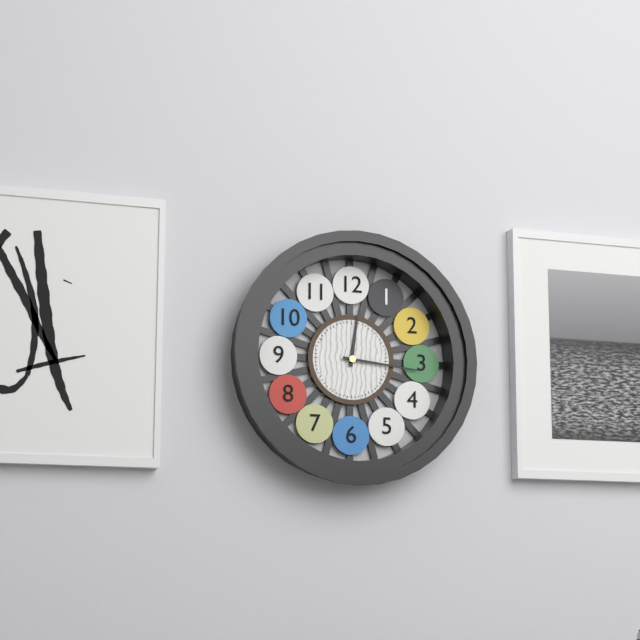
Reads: 12:16
